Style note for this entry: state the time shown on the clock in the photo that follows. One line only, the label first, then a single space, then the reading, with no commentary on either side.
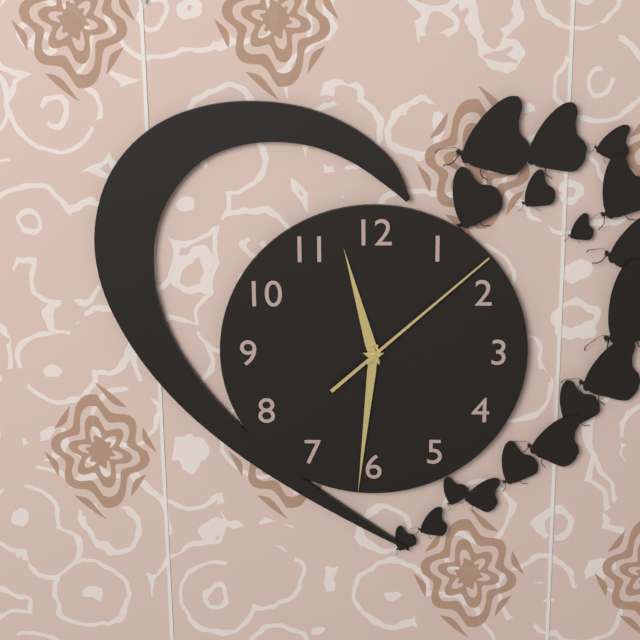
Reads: 11:31:08
